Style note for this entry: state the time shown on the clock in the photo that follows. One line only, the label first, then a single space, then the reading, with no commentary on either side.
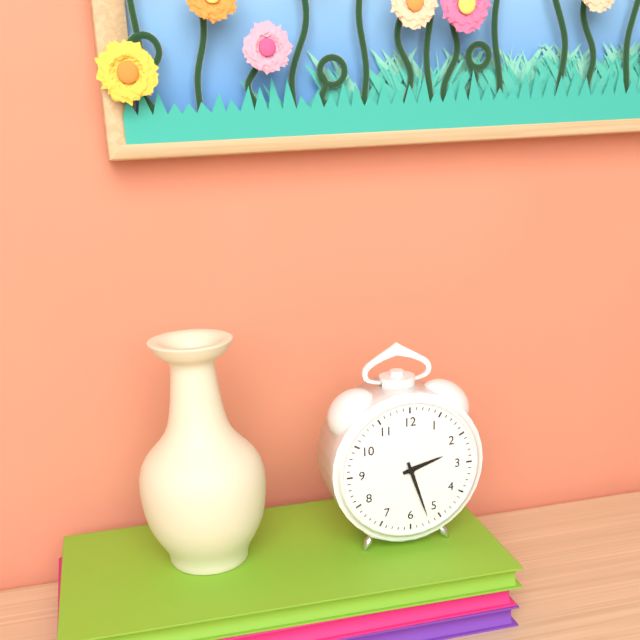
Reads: 2:27
